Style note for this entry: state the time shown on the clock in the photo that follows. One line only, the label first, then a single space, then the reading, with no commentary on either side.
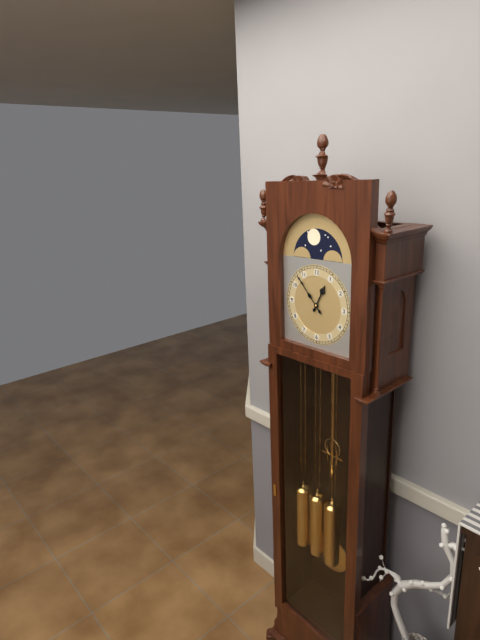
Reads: 12:53
